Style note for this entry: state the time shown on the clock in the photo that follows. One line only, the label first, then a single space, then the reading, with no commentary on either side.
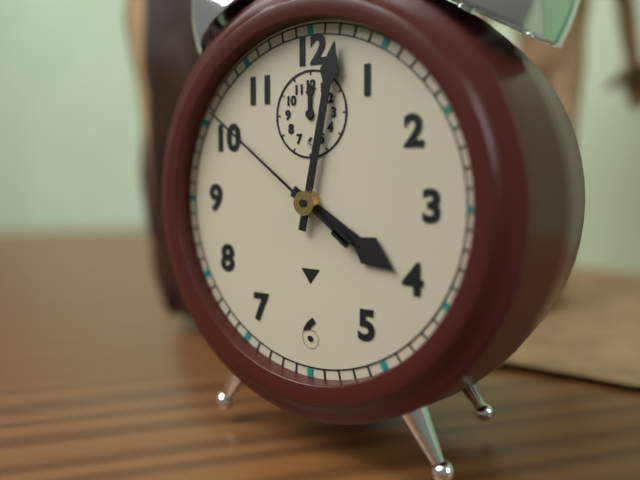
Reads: 4:02:51
